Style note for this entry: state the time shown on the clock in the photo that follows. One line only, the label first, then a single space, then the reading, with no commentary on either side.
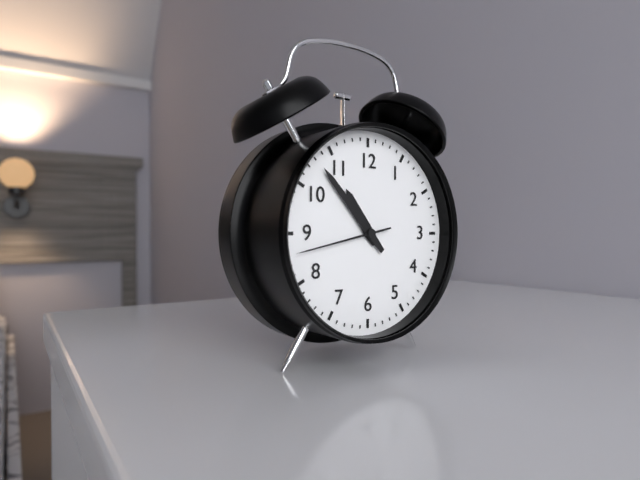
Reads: 10:53:43
